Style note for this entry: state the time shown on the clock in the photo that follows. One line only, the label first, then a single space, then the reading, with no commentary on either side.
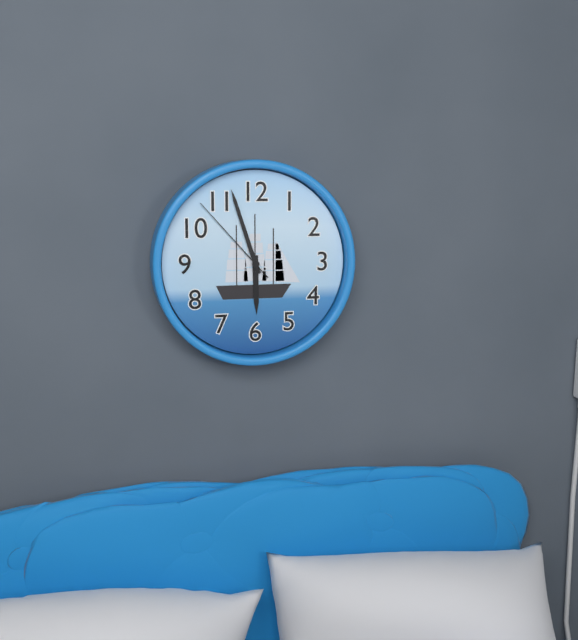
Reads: 5:57:53
